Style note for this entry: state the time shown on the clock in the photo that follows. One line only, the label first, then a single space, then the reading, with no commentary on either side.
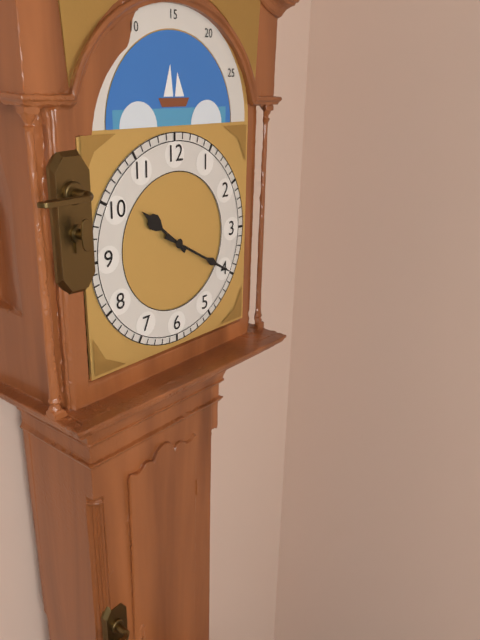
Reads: 10:20
